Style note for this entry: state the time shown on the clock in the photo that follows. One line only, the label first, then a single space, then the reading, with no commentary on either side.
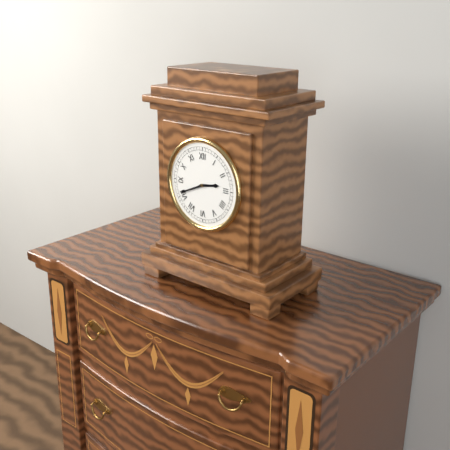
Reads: 2:41
